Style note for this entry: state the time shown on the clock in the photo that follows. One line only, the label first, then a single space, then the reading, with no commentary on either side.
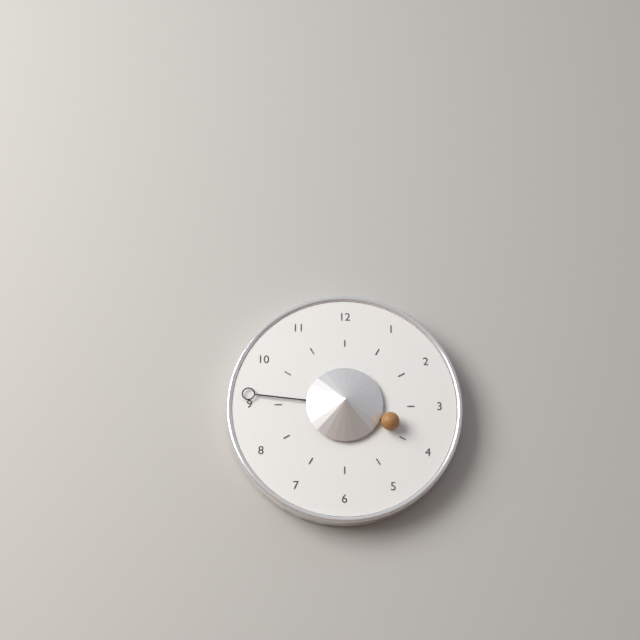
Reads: 3:46
